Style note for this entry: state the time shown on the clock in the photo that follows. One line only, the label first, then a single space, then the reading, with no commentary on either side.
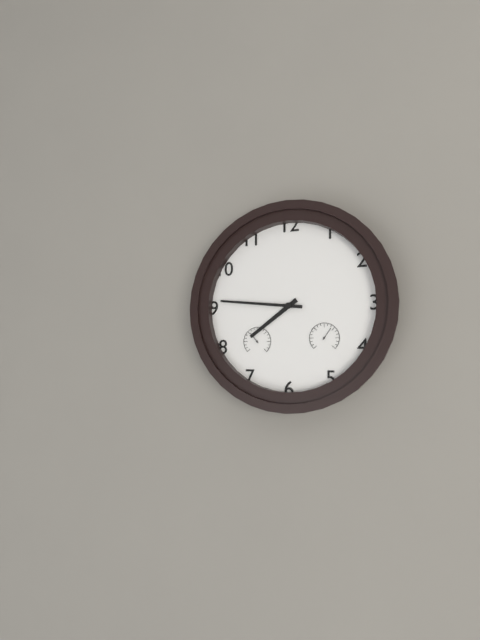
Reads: 7:46
